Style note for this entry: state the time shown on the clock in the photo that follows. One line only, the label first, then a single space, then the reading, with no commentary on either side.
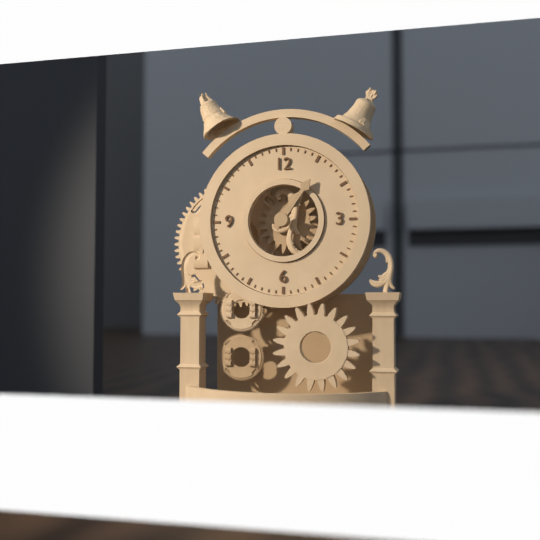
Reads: 1:06
